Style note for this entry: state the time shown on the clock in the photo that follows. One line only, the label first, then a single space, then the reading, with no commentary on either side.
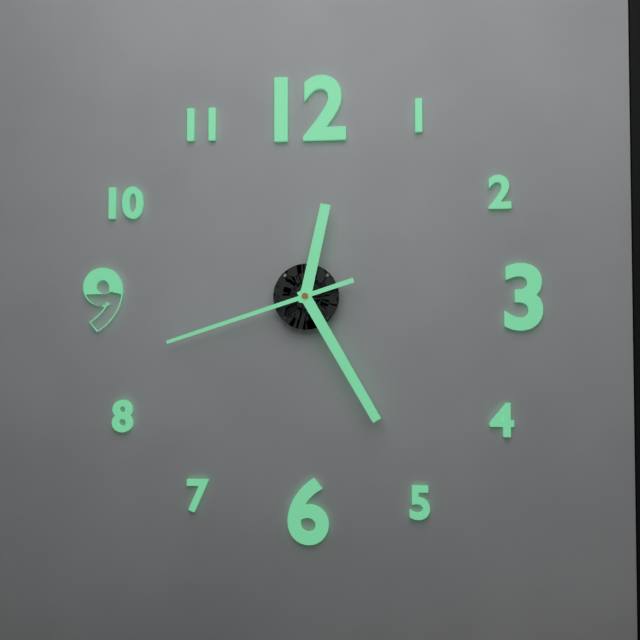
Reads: 12:25:42
